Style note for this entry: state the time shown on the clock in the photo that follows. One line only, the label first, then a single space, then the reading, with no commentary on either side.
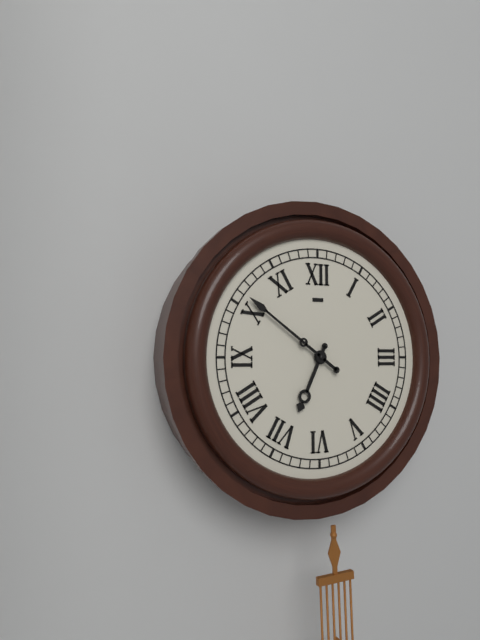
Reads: 6:51
